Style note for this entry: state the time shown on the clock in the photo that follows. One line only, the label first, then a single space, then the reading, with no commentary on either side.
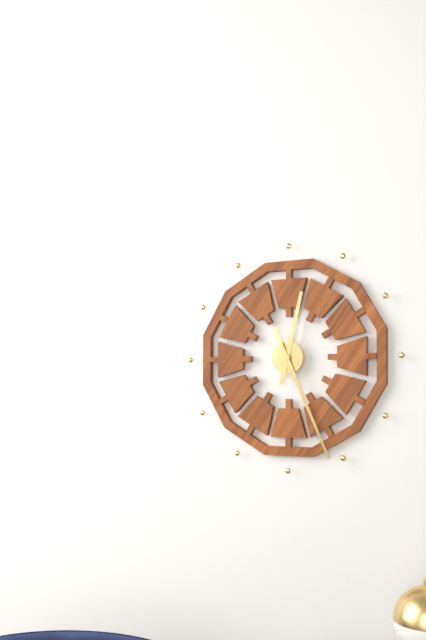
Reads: 12:26
